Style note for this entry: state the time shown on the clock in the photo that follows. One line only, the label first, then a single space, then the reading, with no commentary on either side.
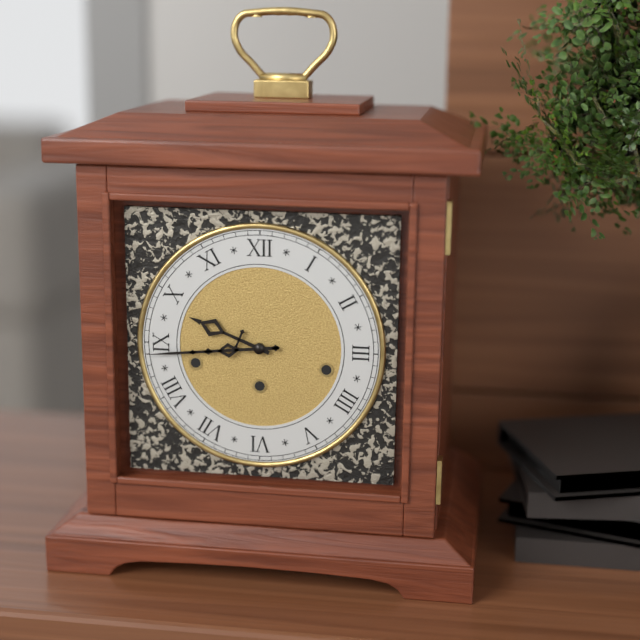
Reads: 9:44
